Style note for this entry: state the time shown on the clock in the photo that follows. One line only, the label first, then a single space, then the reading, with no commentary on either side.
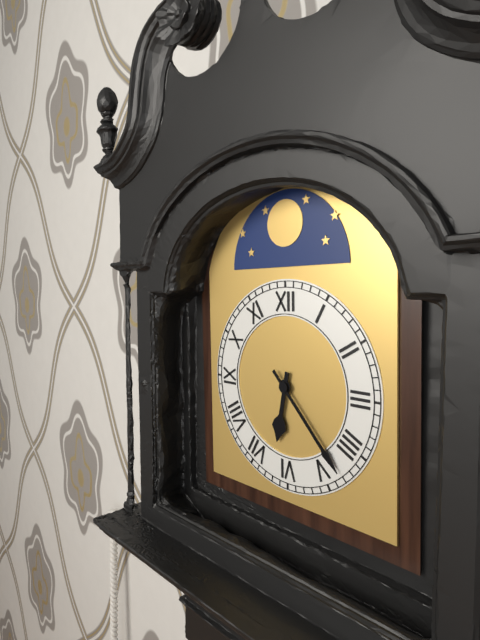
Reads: 6:23
